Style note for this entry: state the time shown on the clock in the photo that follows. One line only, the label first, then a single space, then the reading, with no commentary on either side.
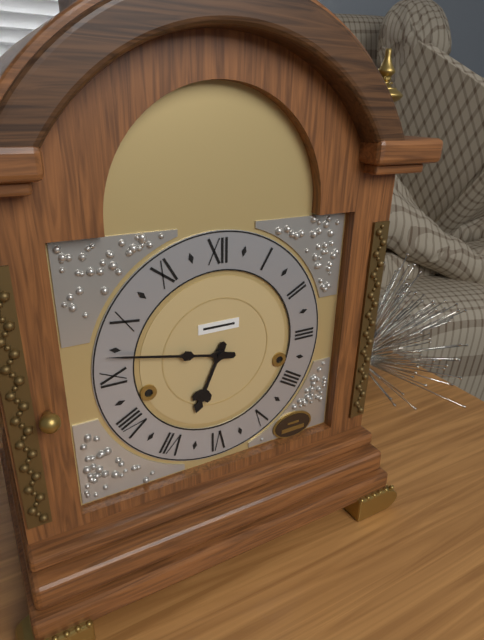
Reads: 6:47
